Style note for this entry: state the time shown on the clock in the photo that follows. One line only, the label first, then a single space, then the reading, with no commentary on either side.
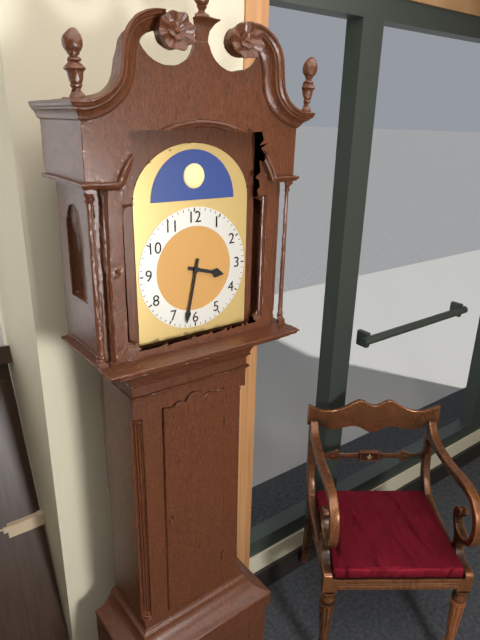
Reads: 3:32
